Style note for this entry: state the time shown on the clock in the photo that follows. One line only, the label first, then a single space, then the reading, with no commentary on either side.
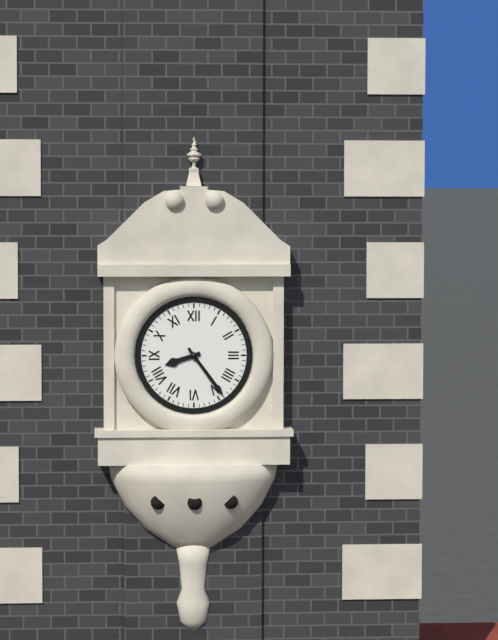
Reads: 8:24
